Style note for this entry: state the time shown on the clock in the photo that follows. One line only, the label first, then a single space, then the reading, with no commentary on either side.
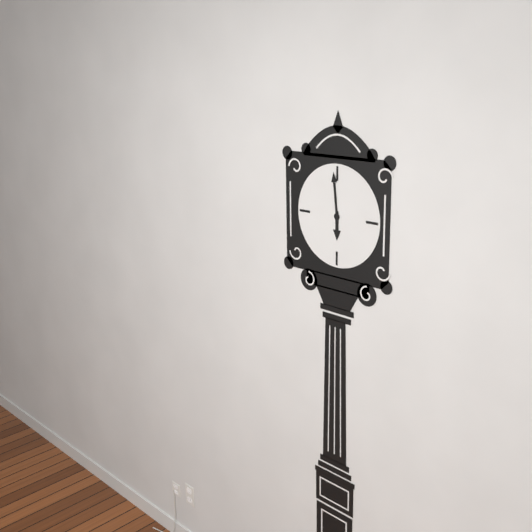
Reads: 5:59
